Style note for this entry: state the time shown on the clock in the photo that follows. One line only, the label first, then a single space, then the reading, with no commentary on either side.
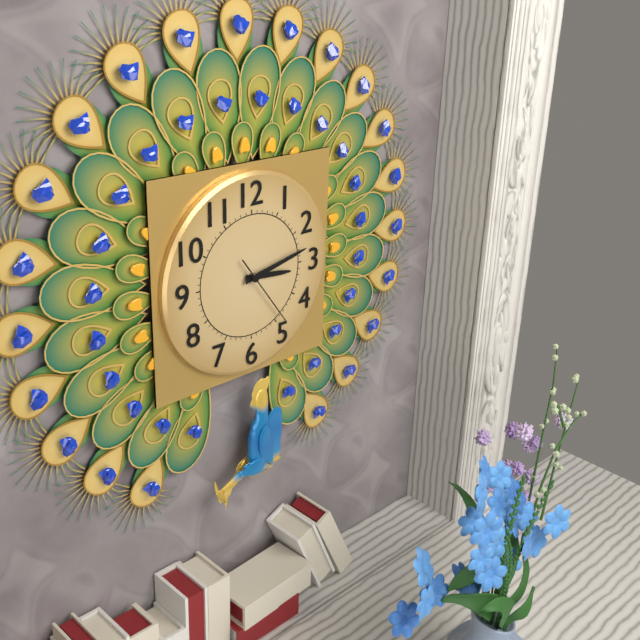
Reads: 3:13:24
